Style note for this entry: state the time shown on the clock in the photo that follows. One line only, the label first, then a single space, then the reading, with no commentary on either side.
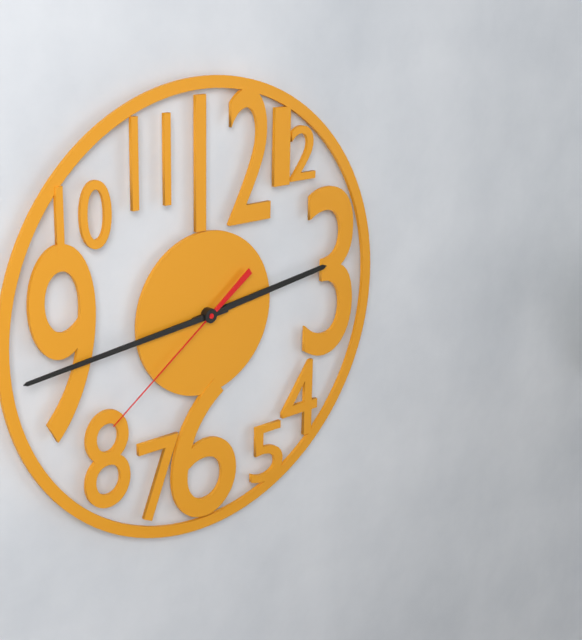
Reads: 2:44:39
